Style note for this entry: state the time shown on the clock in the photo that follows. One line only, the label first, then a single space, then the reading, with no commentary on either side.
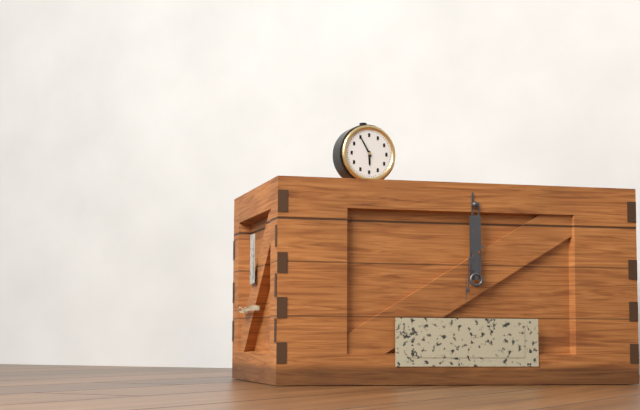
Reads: 5:55
